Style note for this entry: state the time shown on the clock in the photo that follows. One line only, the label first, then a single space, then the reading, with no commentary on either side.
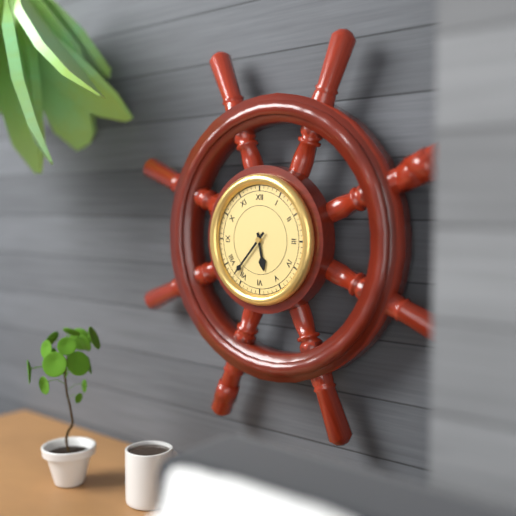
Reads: 5:37
